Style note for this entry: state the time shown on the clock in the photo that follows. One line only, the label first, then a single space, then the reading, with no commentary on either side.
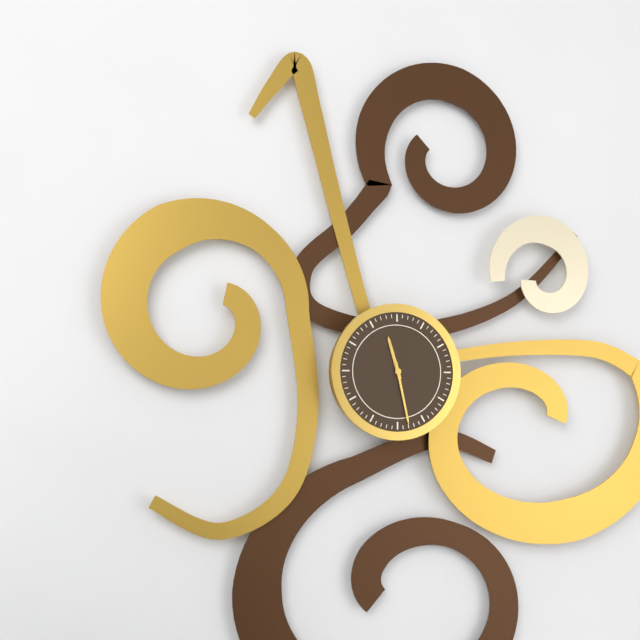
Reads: 11:28
